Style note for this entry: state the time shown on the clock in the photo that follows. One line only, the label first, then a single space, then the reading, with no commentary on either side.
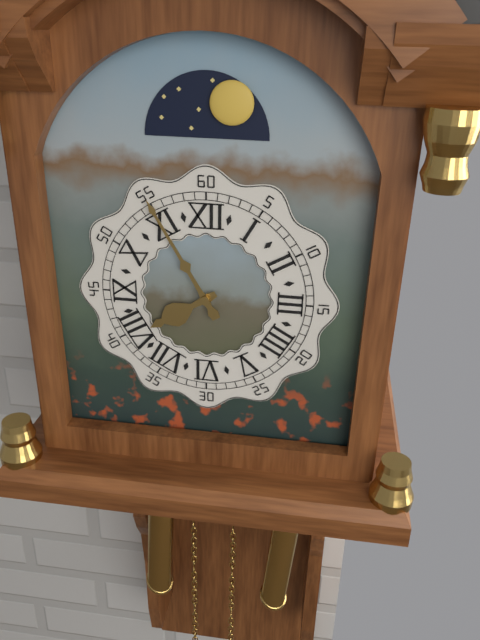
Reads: 7:55
